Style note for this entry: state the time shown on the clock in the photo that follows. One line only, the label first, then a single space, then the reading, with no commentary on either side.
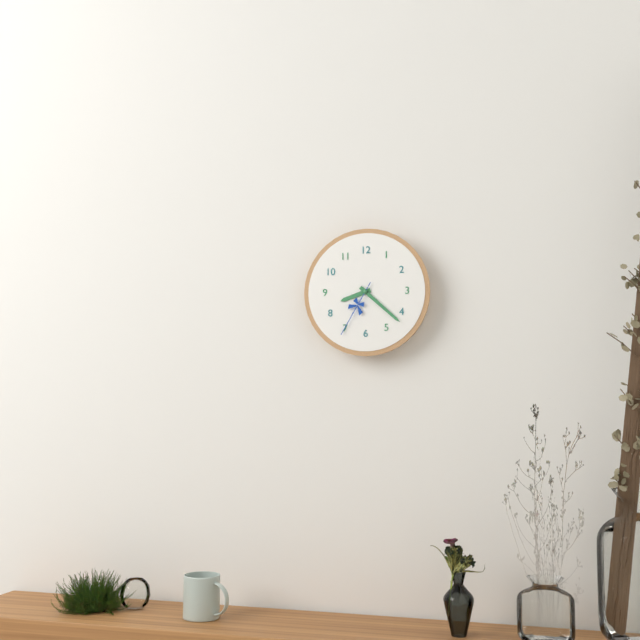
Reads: 8:22:35
